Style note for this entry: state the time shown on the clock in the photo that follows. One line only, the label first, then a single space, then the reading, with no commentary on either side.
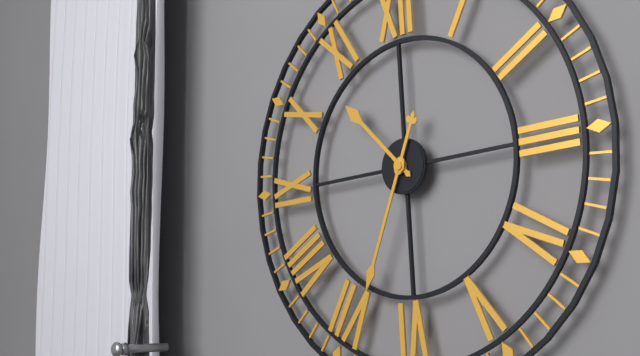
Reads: 10:34
